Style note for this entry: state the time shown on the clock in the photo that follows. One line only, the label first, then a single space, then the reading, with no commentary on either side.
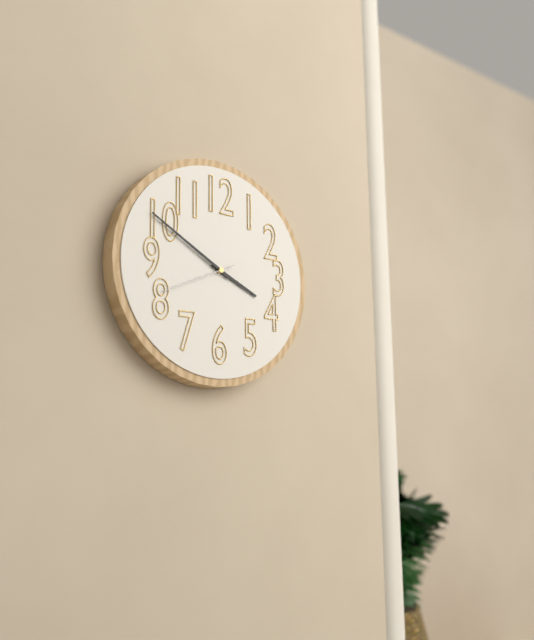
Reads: 3:50:41
